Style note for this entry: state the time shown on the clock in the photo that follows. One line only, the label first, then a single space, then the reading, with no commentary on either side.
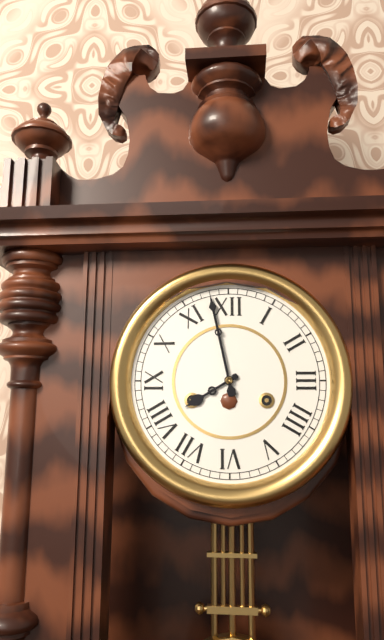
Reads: 7:58
